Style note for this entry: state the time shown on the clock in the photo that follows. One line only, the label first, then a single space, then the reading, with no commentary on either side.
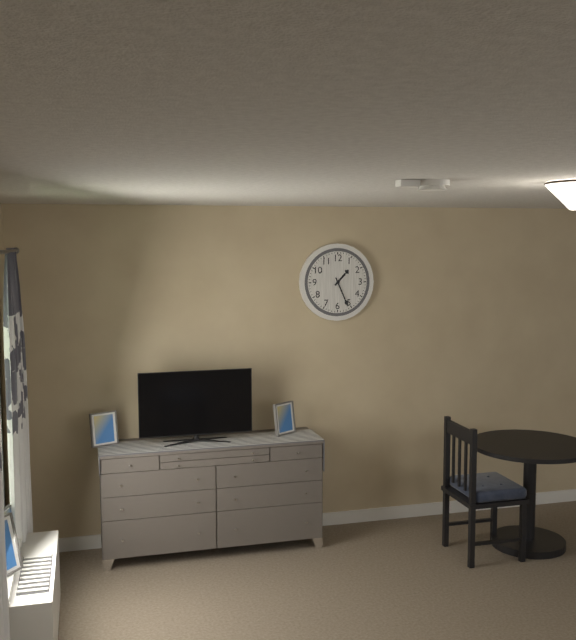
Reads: 1:26
